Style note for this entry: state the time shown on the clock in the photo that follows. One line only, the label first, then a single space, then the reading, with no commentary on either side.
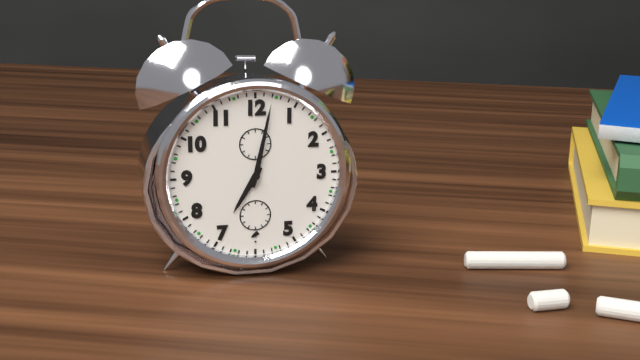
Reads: 7:02
